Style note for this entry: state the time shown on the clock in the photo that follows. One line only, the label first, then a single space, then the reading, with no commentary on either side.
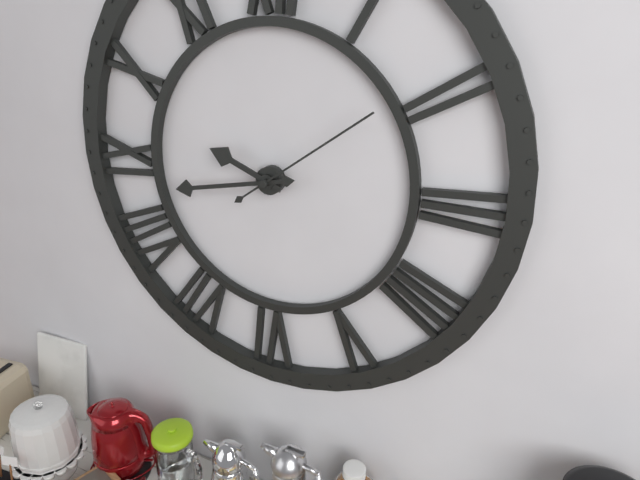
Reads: 9:43:09
